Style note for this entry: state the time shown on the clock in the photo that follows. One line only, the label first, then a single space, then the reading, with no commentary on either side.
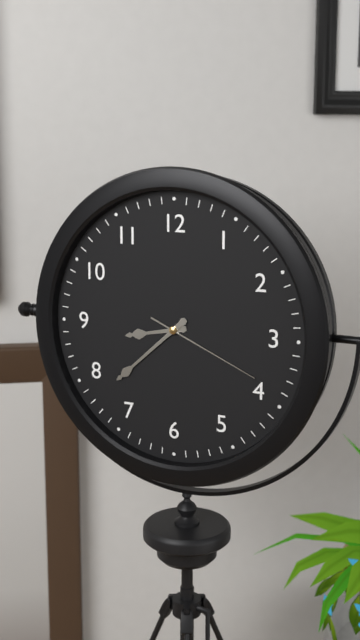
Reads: 8:38:19
